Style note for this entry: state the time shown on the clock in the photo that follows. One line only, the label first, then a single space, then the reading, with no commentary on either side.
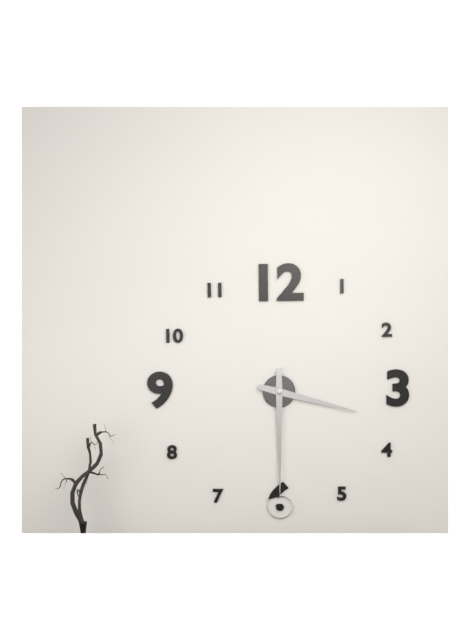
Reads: 3:30
